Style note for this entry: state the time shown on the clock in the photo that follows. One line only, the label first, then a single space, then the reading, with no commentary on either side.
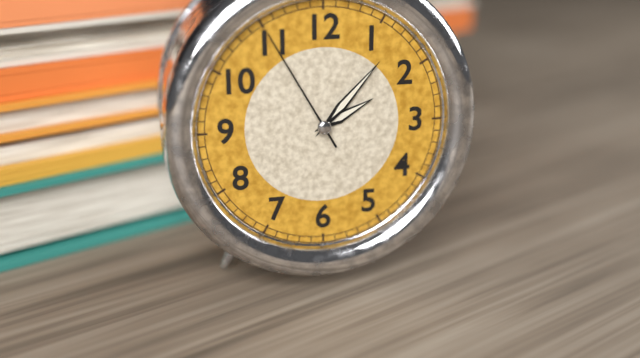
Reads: 2:07:55
